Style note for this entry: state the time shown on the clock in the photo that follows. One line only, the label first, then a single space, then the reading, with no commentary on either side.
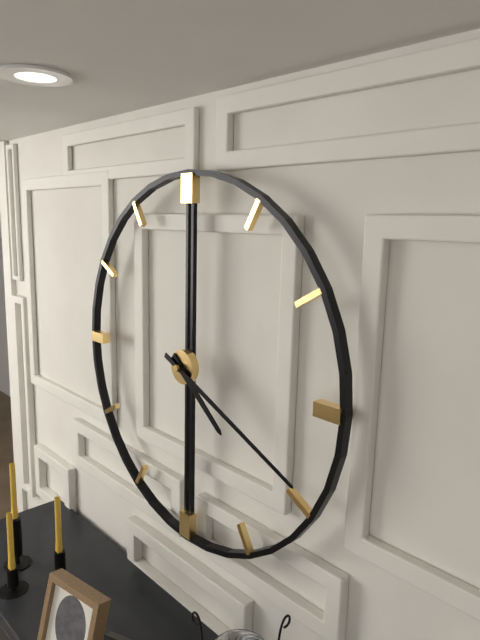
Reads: 4:19
